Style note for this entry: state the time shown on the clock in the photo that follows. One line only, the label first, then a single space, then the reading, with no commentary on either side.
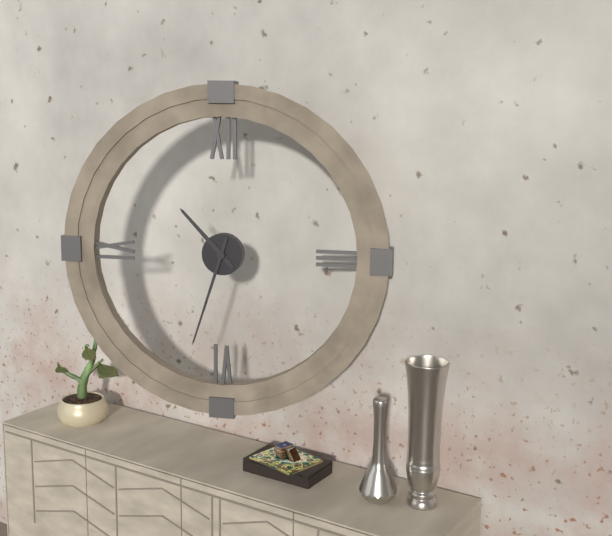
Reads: 10:33
